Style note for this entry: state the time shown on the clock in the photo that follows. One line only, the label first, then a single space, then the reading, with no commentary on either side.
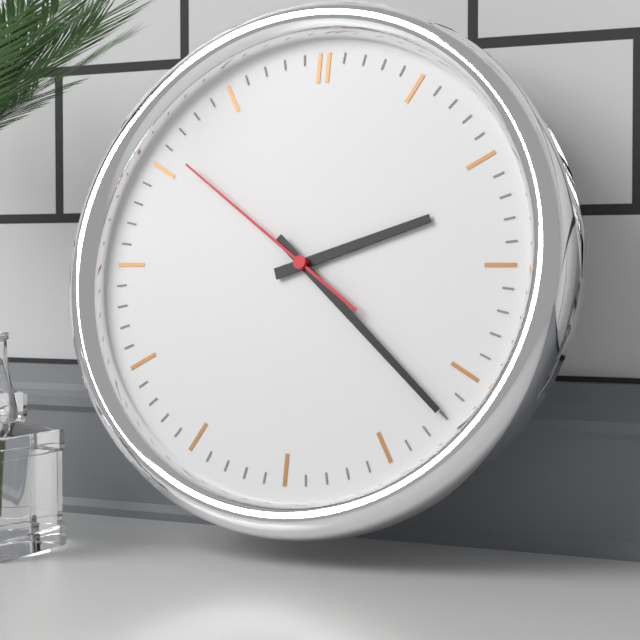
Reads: 2:22:51
